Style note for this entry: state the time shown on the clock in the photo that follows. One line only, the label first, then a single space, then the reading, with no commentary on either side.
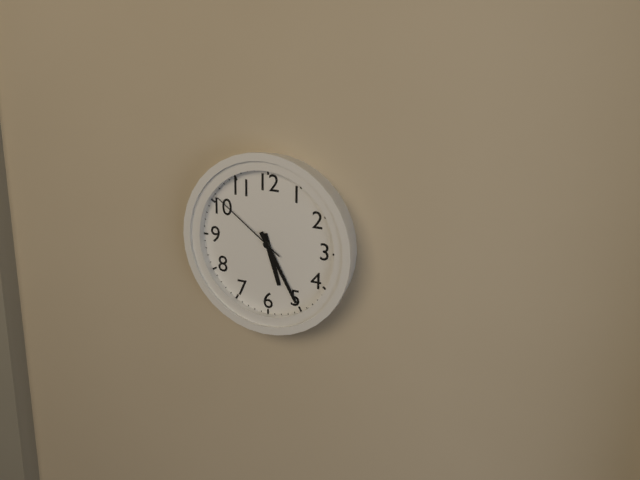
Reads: 5:25:51
